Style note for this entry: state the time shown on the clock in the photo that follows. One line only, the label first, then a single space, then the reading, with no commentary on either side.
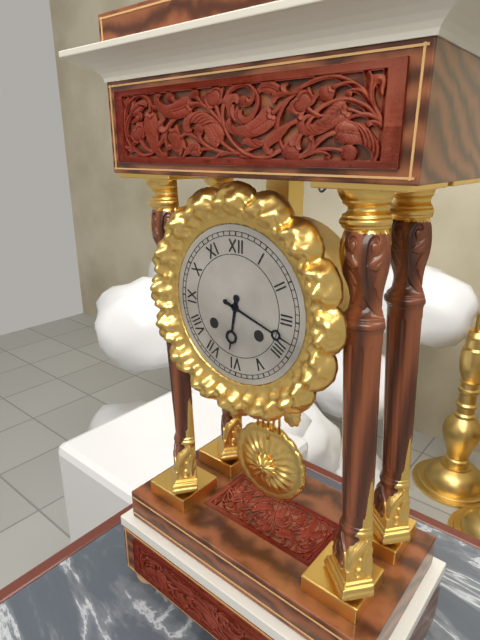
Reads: 6:18
